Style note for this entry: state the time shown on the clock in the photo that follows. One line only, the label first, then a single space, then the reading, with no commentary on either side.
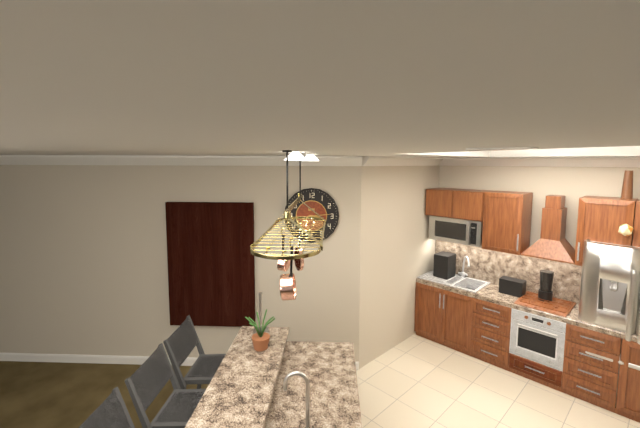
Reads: 3:14
